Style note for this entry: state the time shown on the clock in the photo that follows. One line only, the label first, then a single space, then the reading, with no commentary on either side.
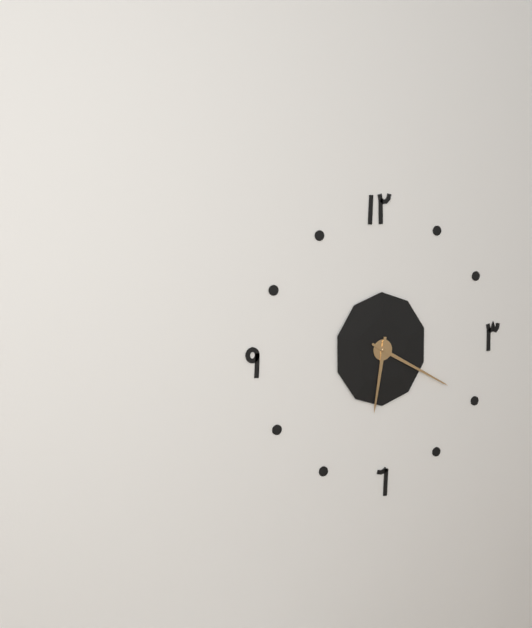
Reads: 6:20
